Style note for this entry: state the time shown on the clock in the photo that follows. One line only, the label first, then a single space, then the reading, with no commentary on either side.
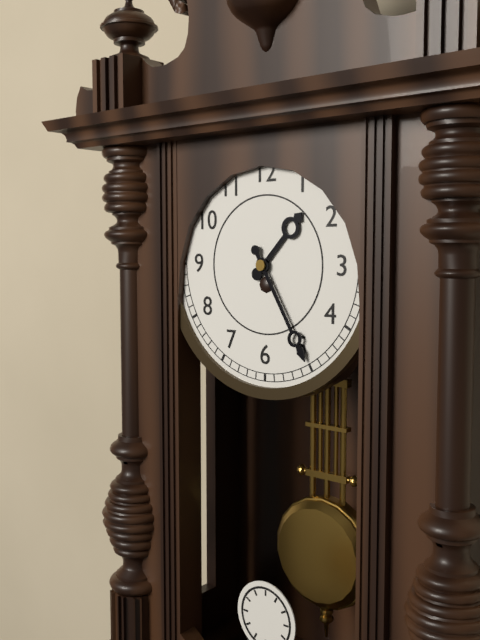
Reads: 1:25
